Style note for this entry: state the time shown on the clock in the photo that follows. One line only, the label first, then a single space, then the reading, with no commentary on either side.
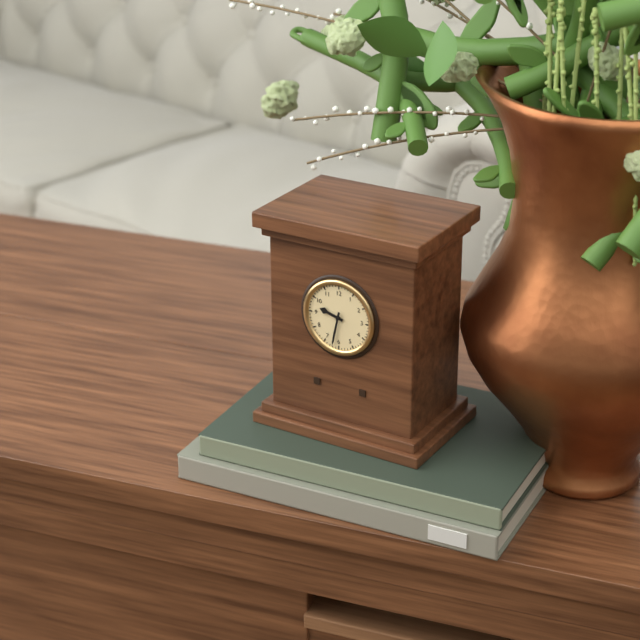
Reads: 9:32
